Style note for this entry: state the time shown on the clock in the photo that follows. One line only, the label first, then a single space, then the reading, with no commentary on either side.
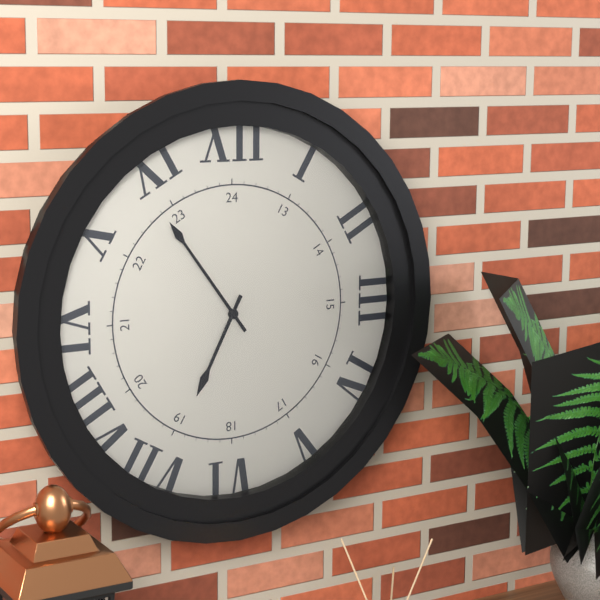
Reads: 6:54
